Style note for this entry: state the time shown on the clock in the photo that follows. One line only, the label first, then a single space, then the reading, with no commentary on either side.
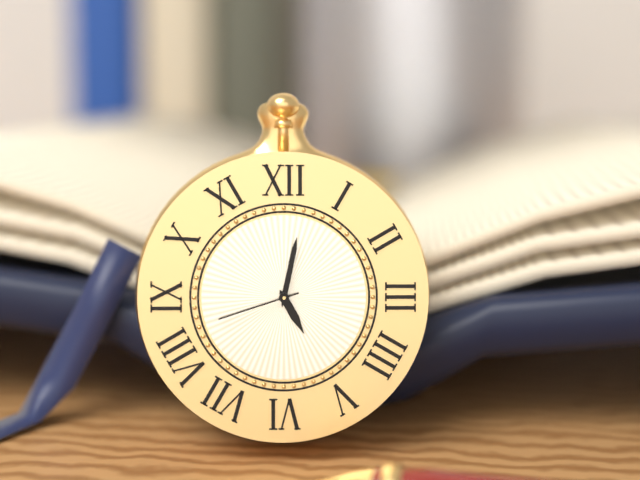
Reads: 5:02:42
